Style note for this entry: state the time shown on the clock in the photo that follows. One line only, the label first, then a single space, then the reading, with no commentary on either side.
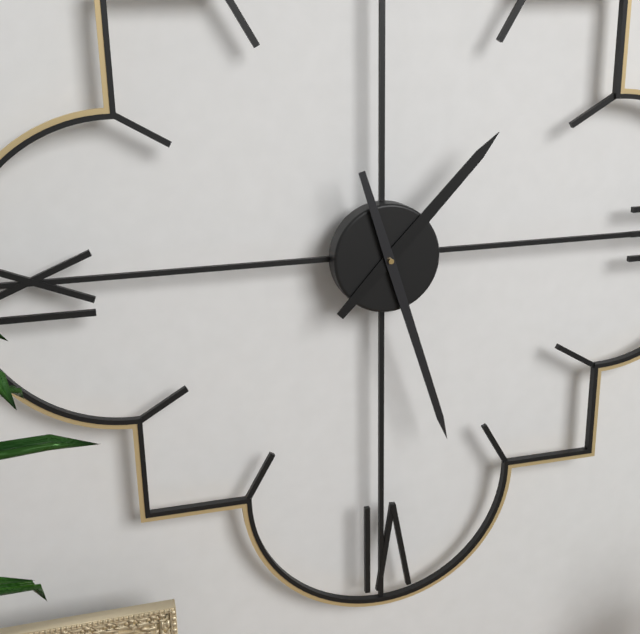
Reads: 1:27
